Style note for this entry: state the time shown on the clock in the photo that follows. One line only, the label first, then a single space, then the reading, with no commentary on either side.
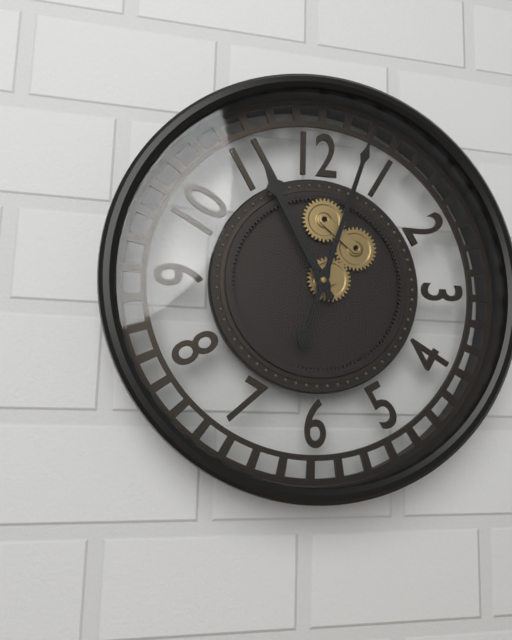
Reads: 11:03
